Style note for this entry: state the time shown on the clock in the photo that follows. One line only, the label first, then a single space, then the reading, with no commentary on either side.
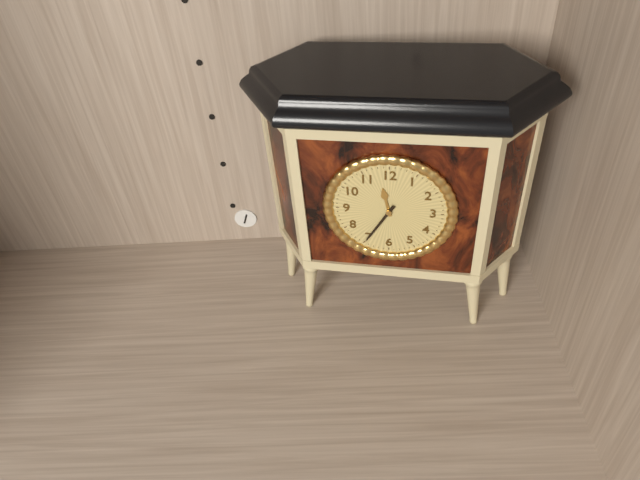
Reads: 11:35
